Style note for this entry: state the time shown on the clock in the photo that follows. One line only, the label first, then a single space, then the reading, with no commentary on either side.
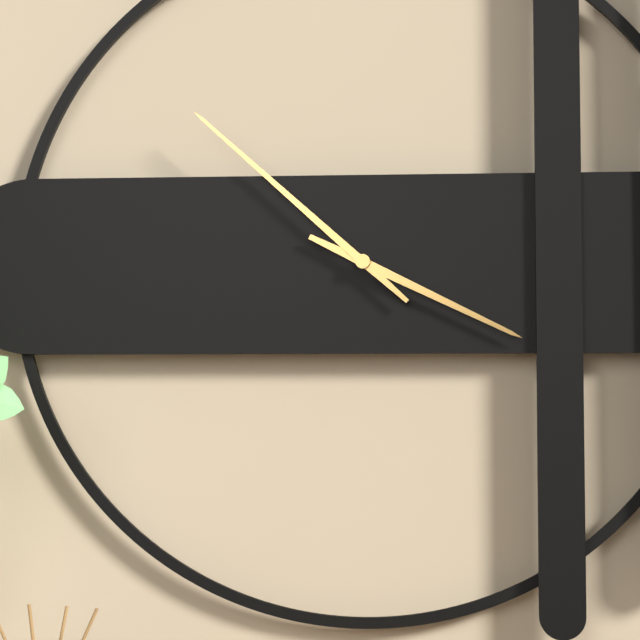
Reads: 3:52
